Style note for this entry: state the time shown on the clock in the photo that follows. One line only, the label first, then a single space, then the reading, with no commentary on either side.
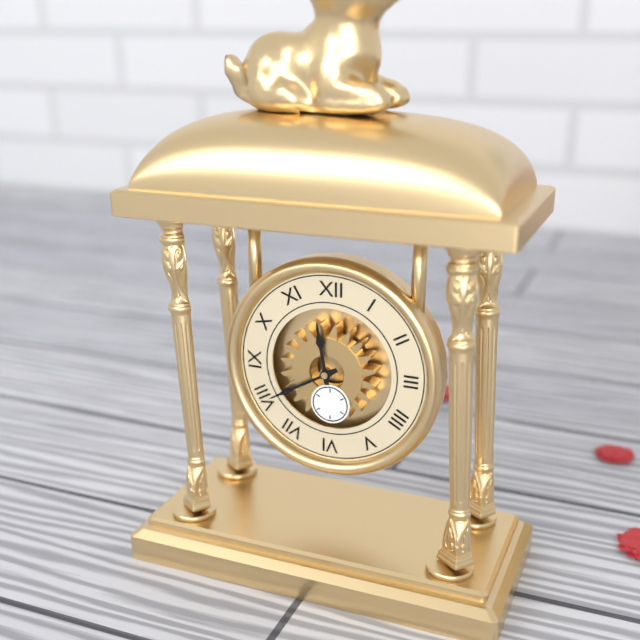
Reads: 11:40
